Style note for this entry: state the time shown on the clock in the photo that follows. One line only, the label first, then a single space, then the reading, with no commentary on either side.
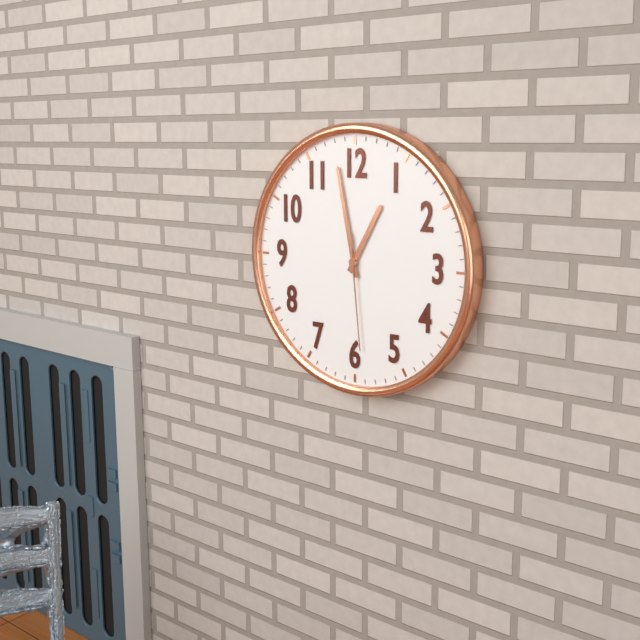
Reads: 12:58:29
